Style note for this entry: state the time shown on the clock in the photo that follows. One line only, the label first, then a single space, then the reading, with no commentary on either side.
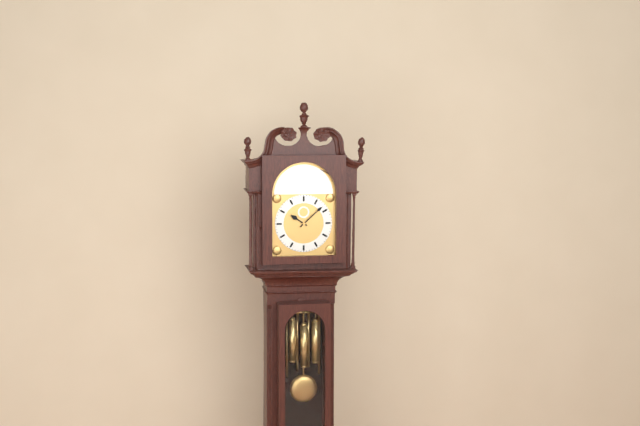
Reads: 10:08
